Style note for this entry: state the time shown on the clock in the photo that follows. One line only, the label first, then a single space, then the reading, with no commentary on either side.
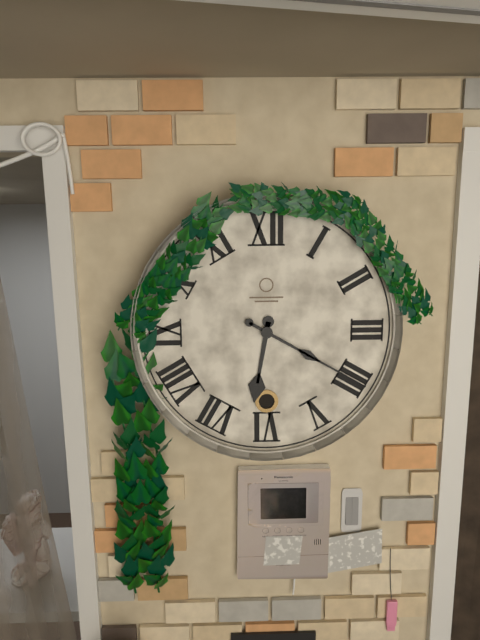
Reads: 6:20
